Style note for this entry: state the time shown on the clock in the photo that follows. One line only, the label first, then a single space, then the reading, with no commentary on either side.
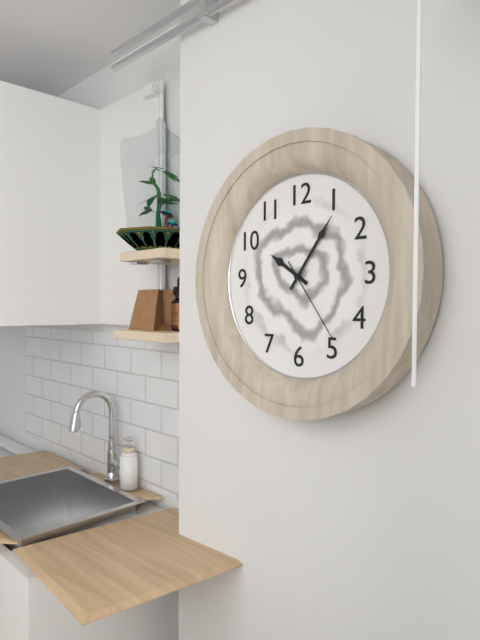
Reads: 10:06:24
